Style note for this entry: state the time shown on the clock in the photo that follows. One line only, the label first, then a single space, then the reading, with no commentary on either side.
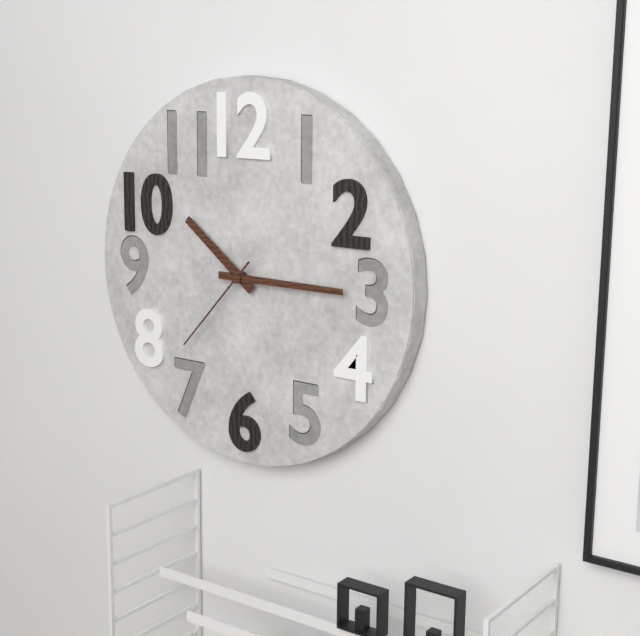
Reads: 10:15:37
